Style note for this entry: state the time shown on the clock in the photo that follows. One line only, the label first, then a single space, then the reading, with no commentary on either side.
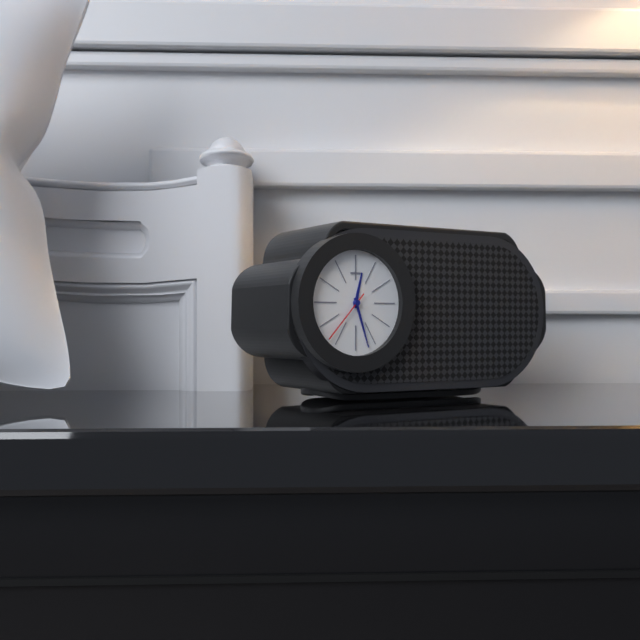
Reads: 12:27
